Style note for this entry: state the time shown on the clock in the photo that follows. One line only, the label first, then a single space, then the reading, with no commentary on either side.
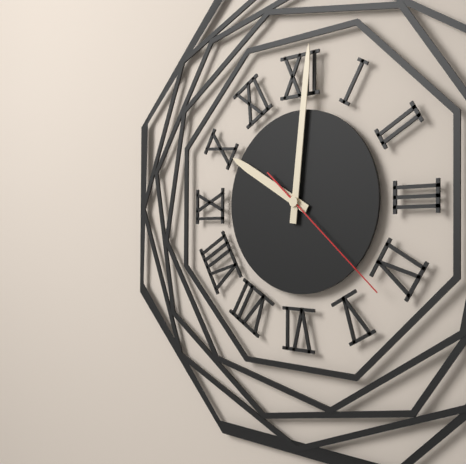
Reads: 10:01:22
